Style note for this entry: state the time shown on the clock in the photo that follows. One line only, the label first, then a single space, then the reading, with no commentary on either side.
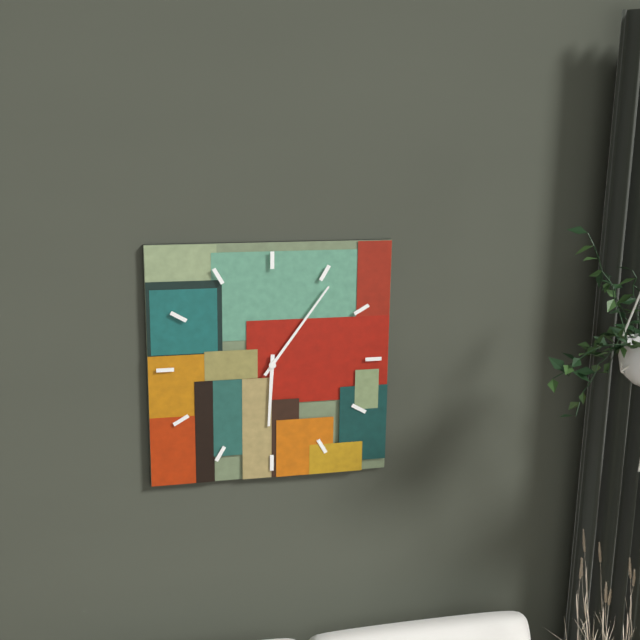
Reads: 6:06
